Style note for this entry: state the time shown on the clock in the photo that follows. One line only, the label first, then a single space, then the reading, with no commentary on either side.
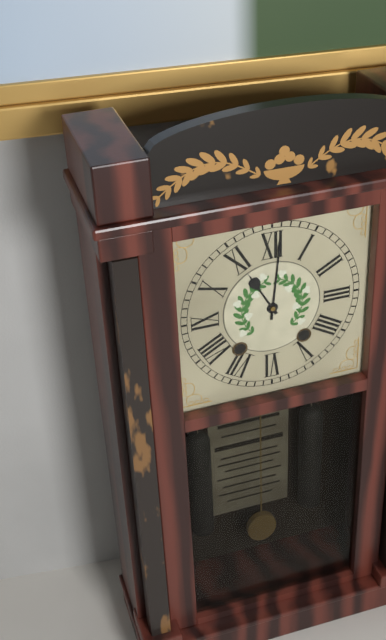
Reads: 11:01
